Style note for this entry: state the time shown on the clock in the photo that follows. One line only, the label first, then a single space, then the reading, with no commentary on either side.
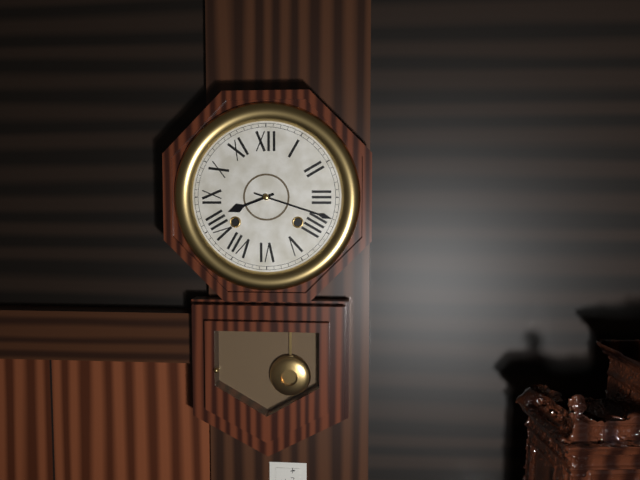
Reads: 8:18
